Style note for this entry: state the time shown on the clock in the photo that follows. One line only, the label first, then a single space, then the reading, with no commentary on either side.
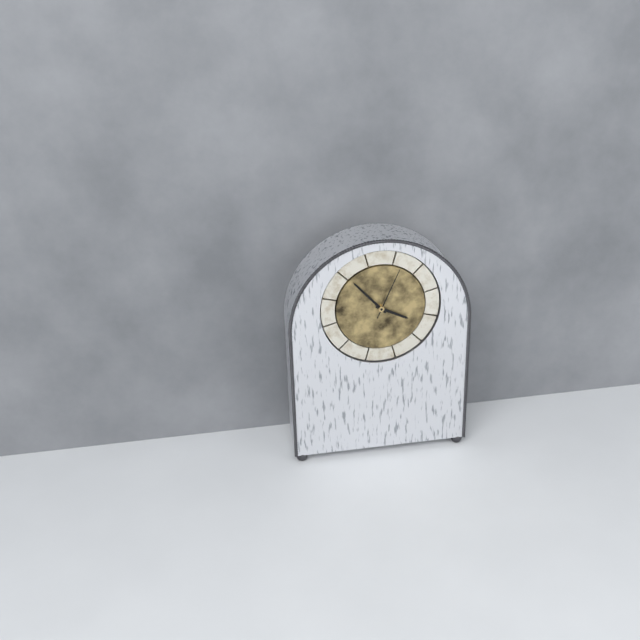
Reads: 3:53:04
